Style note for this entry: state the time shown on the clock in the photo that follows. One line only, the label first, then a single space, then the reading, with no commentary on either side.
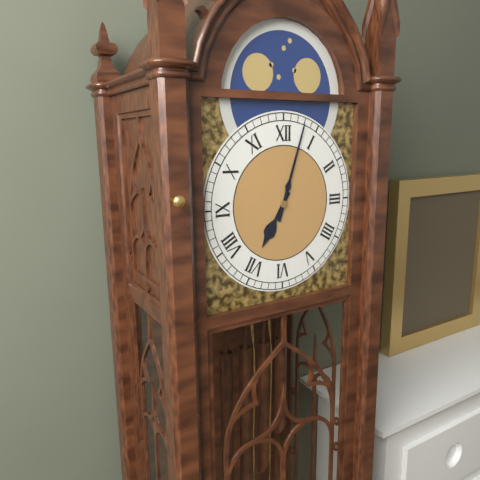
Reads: 7:03
